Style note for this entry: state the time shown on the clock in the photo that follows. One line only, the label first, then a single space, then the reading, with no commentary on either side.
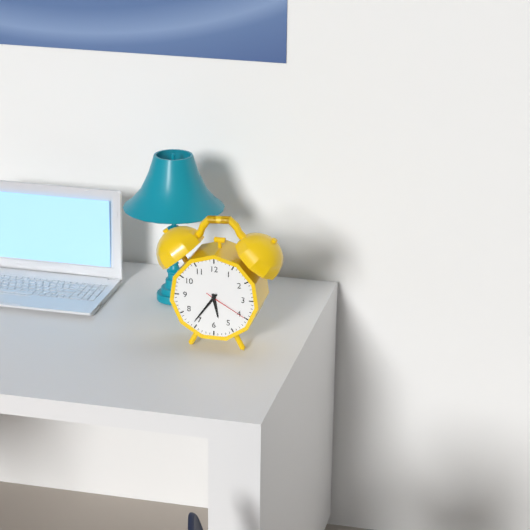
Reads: 5:36
